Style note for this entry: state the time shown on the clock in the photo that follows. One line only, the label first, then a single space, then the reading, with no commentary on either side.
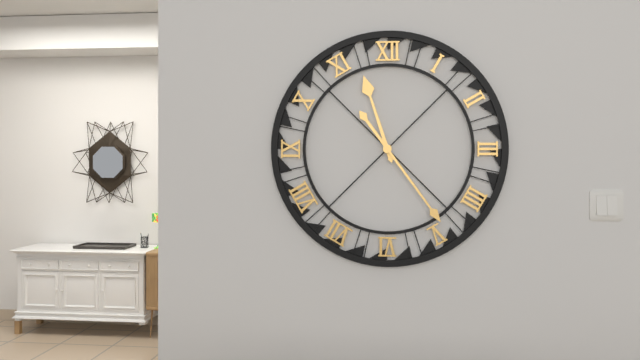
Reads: 11:24
